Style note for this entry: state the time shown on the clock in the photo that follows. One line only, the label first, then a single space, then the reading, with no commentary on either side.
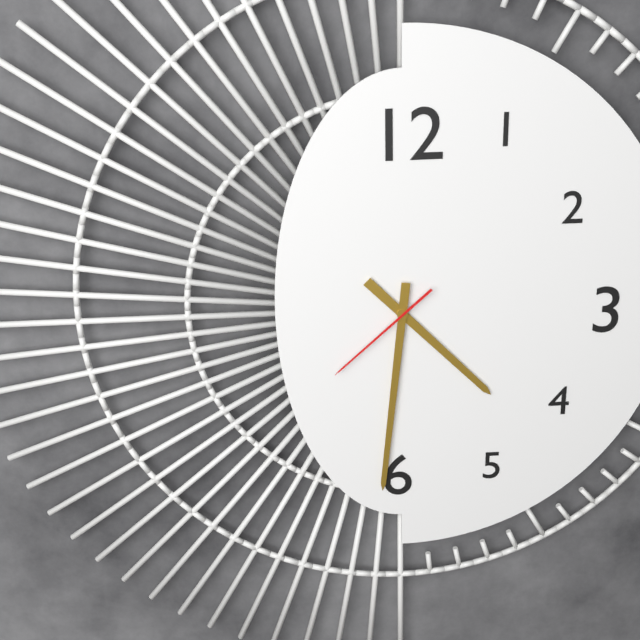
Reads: 4:31:38
